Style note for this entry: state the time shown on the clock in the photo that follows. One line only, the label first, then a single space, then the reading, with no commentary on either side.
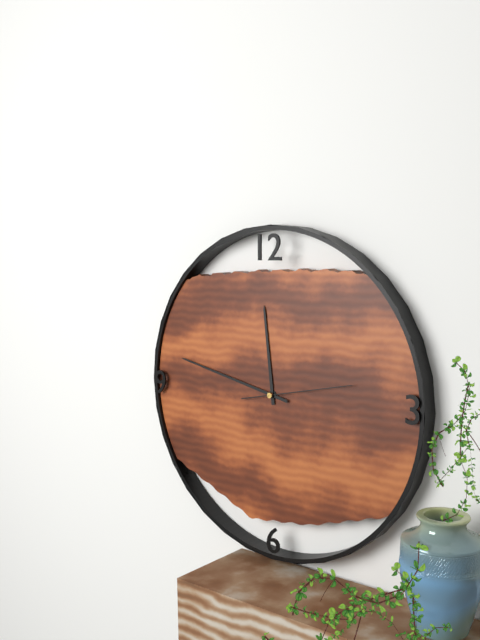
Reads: 11:47:13
